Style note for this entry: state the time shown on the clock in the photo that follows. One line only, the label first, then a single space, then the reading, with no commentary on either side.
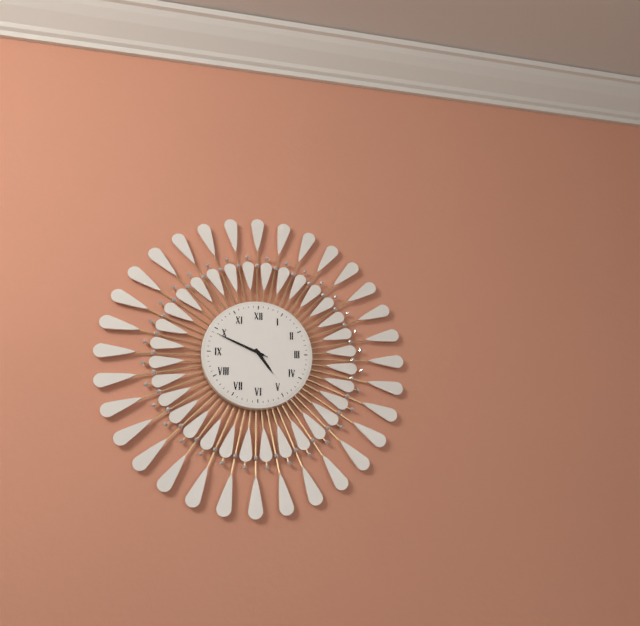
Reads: 4:49:49
